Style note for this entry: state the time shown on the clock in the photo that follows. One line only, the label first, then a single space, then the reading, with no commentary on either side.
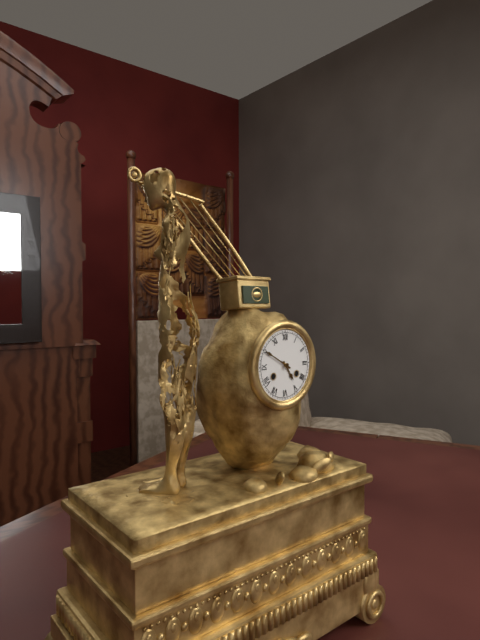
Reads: 4:50
